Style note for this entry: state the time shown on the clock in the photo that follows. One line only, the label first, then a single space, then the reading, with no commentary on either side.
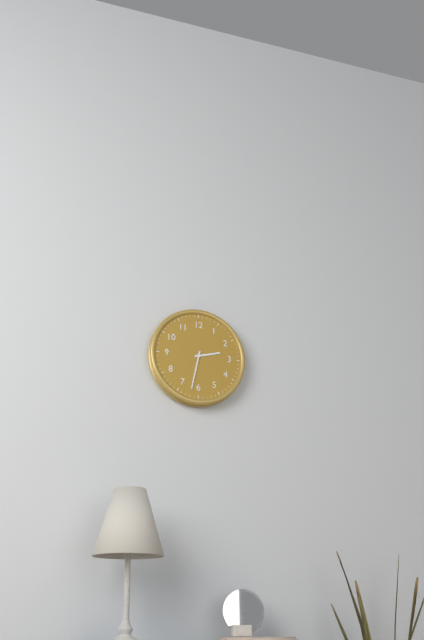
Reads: 2:32
